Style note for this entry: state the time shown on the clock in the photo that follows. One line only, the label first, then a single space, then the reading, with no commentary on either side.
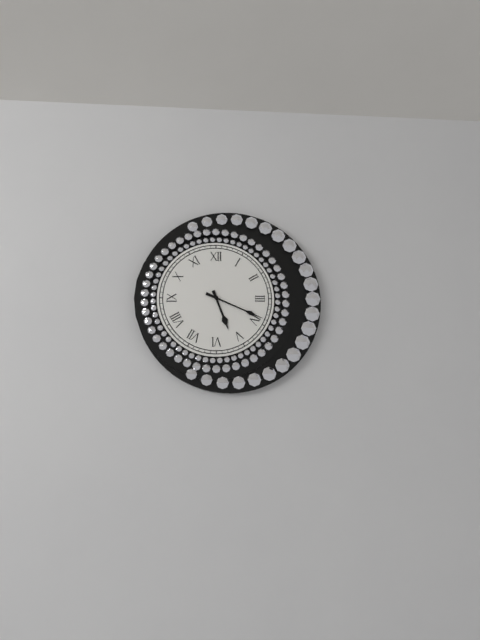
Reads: 5:19
